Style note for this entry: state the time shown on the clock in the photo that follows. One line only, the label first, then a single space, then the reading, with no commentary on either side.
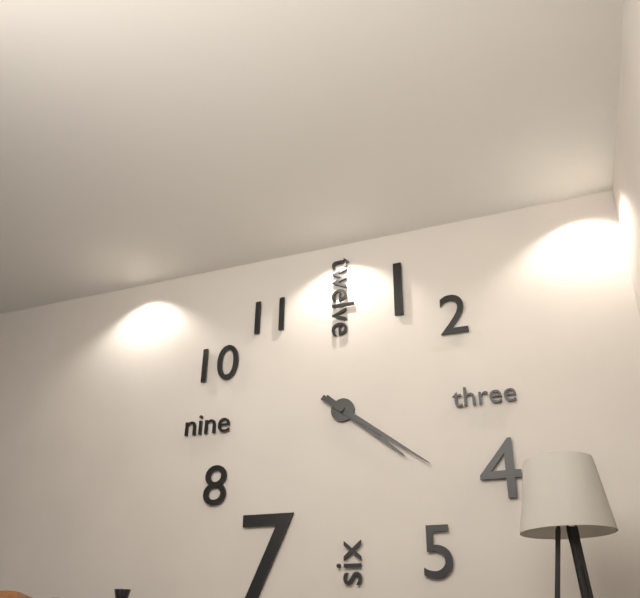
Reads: 4:21
